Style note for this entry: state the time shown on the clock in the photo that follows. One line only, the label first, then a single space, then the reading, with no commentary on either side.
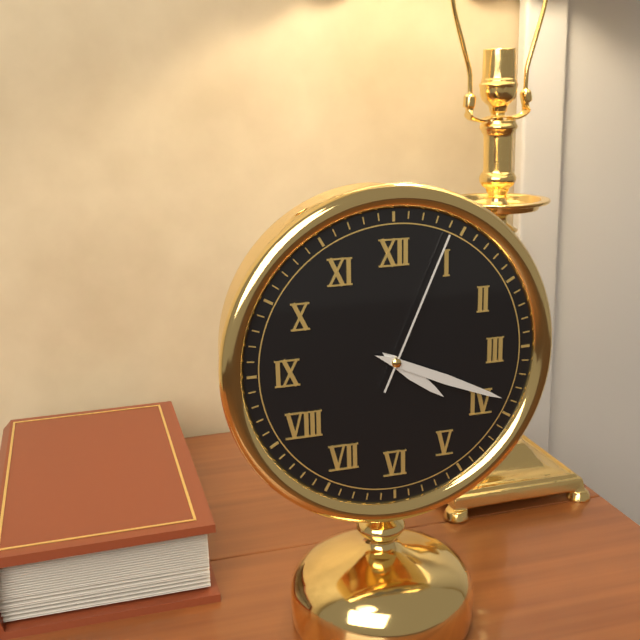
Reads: 4:19:04
